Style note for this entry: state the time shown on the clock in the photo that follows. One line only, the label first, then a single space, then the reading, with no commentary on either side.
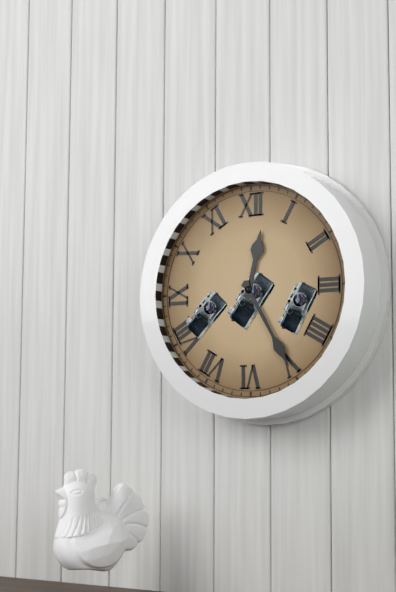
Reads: 12:25
